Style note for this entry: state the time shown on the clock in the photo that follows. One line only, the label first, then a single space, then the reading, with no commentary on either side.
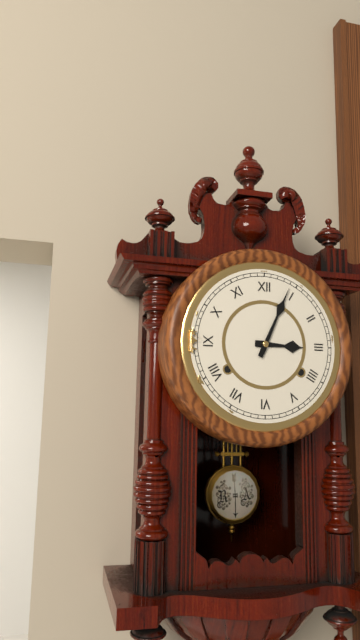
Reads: 3:04
